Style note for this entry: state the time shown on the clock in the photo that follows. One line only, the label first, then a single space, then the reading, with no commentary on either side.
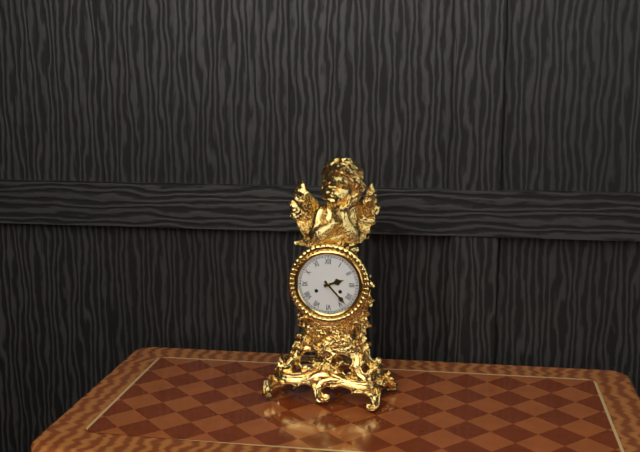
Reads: 2:23
